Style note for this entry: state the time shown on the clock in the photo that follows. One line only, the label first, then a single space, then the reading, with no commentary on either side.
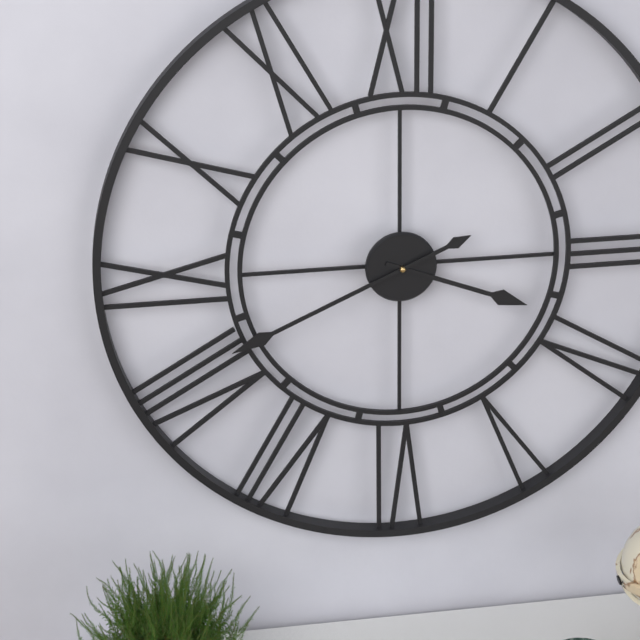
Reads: 3:41
